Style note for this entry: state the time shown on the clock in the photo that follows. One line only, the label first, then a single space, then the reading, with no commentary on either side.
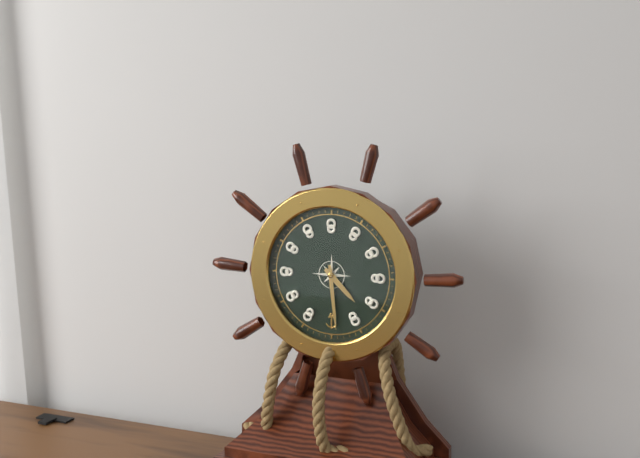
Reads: 4:29
